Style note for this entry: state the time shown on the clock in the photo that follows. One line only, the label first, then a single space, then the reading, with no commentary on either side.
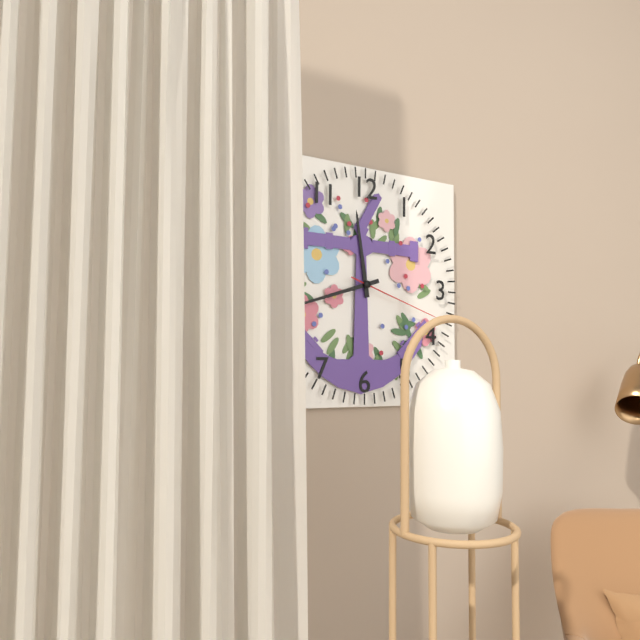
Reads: 11:42:18
